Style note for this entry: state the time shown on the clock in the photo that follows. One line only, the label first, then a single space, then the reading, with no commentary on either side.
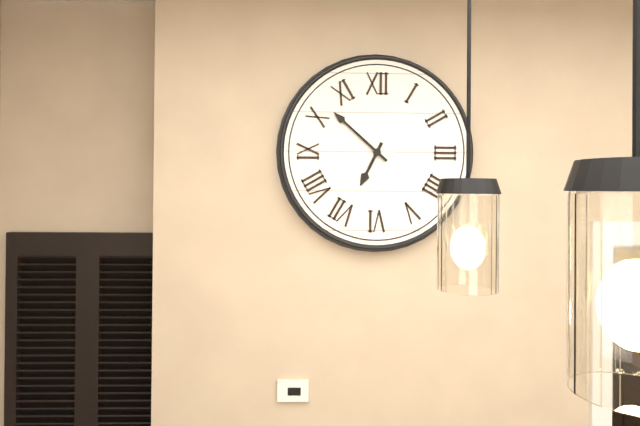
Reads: 6:52
